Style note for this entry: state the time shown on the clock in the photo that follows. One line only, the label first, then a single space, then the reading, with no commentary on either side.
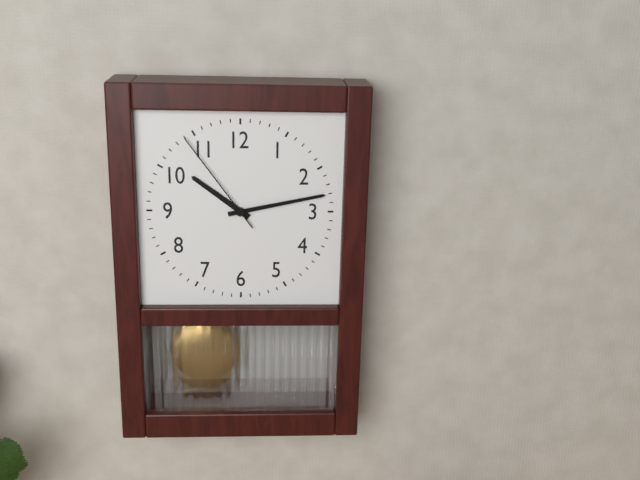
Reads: 10:13:54
